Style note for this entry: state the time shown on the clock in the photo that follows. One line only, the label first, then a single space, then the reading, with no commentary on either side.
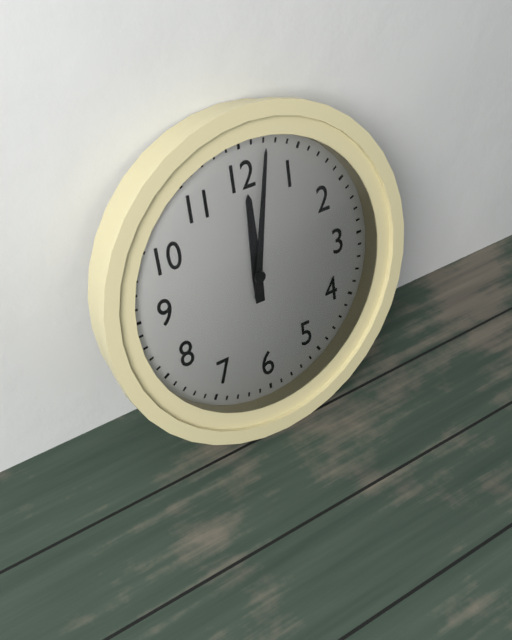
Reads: 12:02
